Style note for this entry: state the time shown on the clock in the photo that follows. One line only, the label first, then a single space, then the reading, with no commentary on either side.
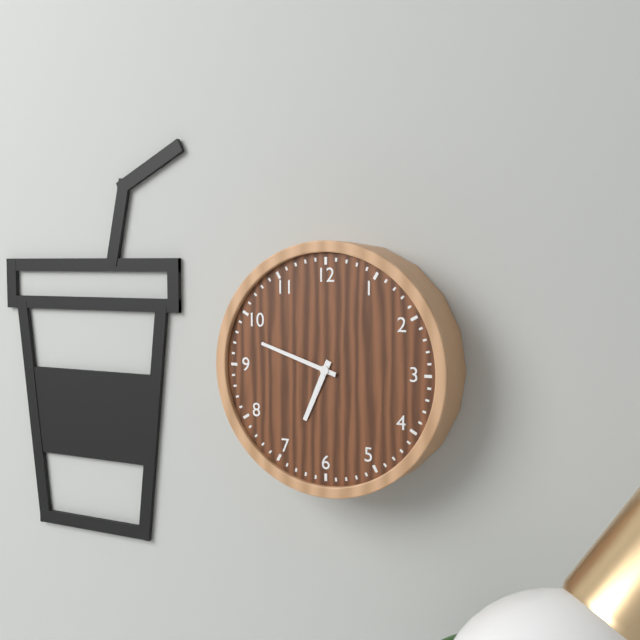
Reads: 6:48
